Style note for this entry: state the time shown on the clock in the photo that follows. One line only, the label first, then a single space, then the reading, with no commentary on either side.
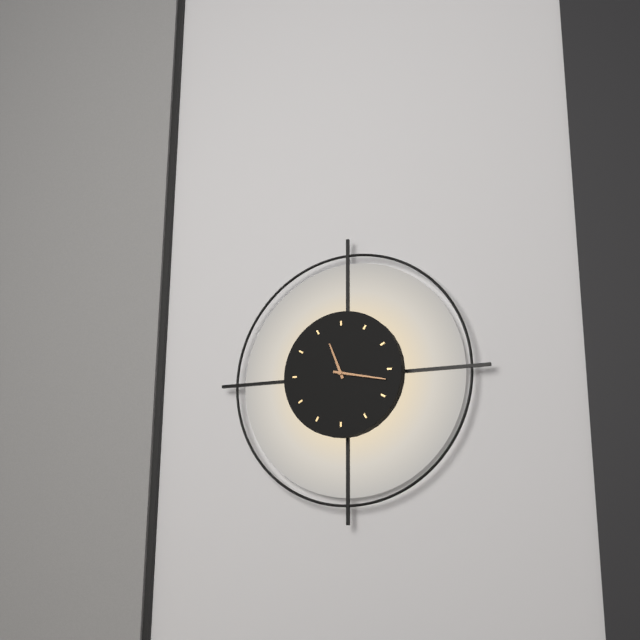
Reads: 11:17
